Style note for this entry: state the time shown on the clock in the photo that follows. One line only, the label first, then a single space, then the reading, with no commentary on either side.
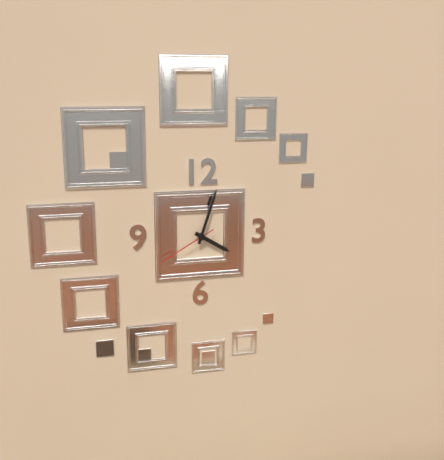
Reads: 4:03:40
